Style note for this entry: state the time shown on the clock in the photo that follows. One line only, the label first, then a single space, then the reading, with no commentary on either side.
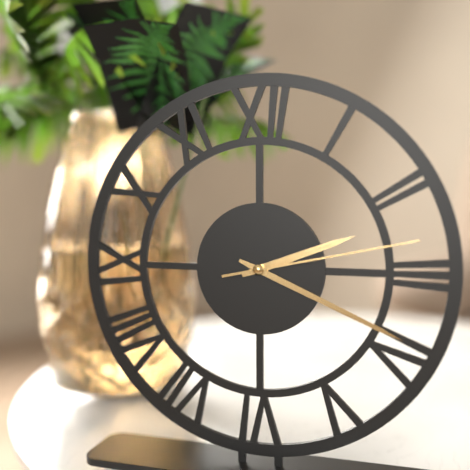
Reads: 2:19:13
